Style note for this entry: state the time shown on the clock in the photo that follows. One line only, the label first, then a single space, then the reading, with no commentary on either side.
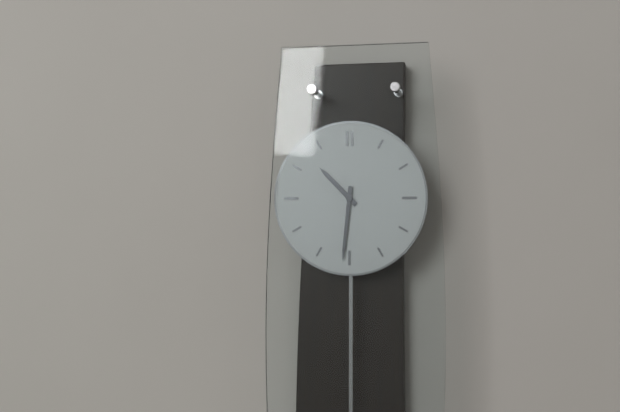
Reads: 10:31
